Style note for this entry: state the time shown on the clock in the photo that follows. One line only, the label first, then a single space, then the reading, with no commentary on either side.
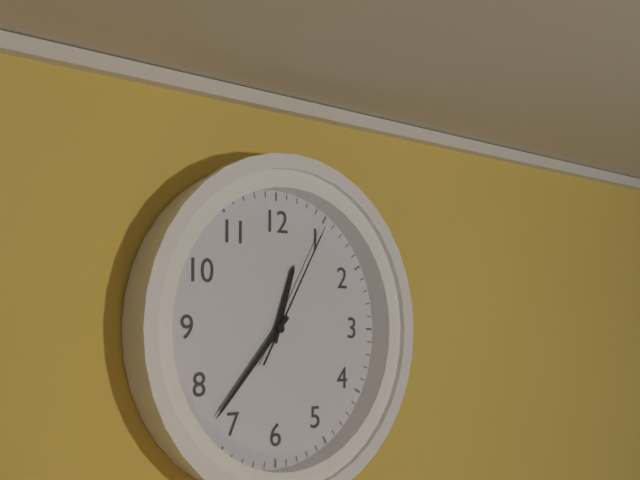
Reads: 12:37:05
